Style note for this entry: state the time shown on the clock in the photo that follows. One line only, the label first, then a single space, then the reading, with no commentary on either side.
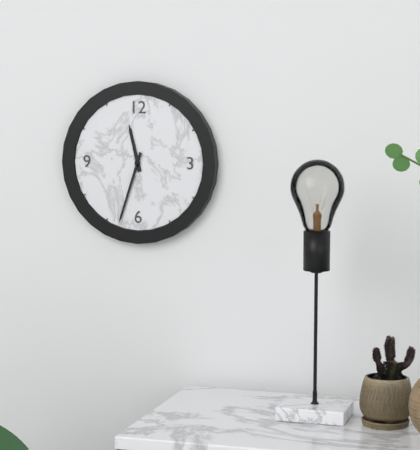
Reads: 11:33
